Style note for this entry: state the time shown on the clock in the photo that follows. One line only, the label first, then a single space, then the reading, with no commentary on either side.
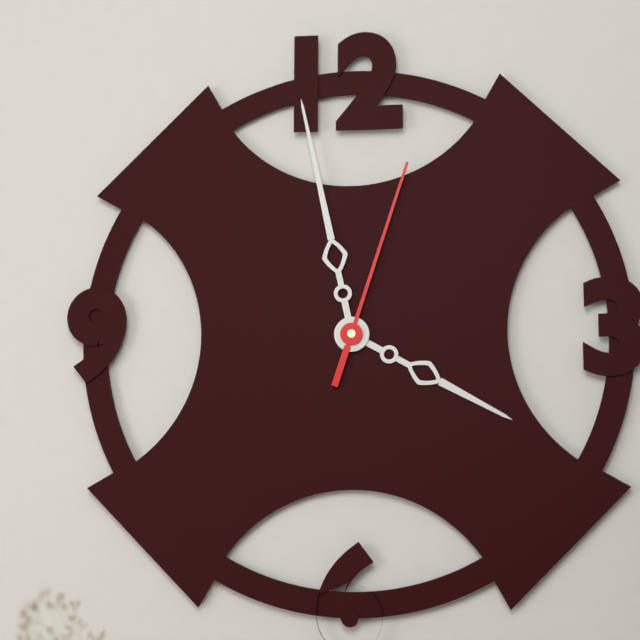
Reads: 3:58:03
